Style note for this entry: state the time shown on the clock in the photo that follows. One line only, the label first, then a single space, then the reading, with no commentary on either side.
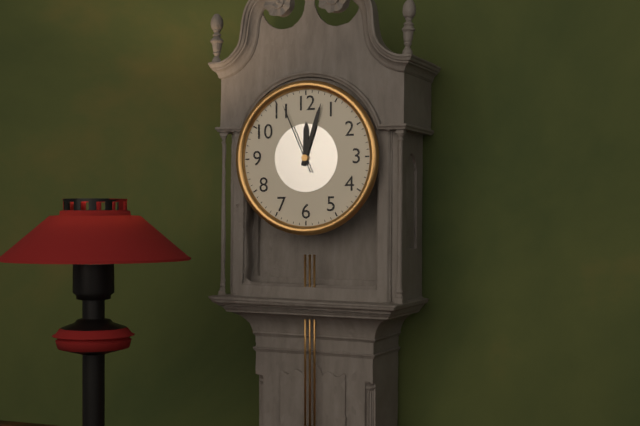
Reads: 12:03:56
